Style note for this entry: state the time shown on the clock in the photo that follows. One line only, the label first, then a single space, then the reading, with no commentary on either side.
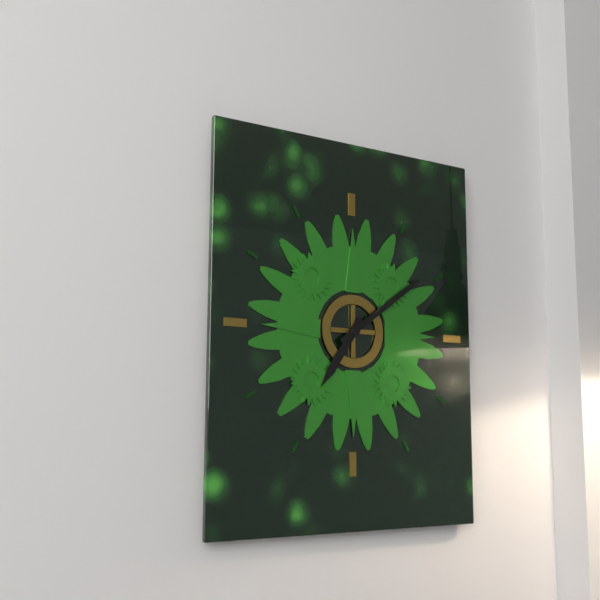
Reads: 7:09
